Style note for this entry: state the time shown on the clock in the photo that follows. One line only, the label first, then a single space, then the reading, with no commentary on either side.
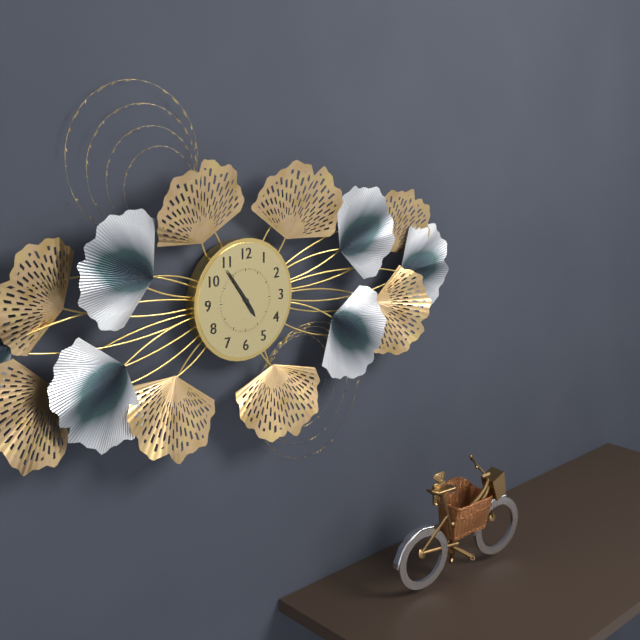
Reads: 4:54
